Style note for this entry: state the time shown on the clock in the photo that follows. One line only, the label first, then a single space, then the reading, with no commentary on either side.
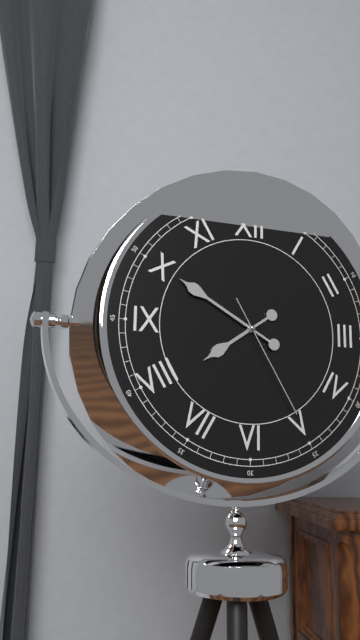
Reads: 7:50:25
